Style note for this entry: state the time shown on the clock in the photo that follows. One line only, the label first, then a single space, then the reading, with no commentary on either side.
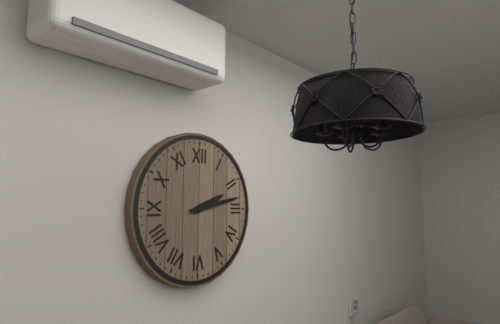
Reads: 2:13
